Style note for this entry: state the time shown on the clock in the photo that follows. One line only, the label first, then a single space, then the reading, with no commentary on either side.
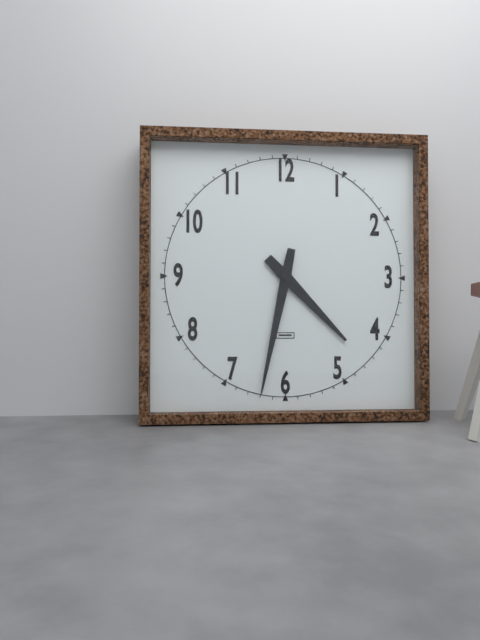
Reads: 4:32
